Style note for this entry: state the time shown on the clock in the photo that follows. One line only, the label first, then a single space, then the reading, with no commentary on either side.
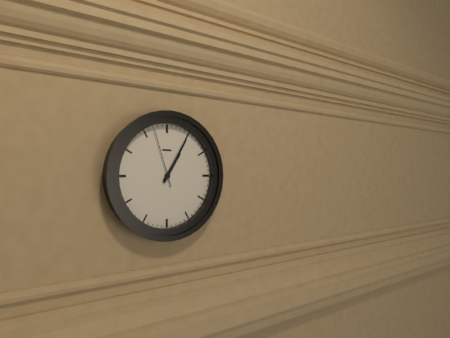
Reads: 1:05:57
